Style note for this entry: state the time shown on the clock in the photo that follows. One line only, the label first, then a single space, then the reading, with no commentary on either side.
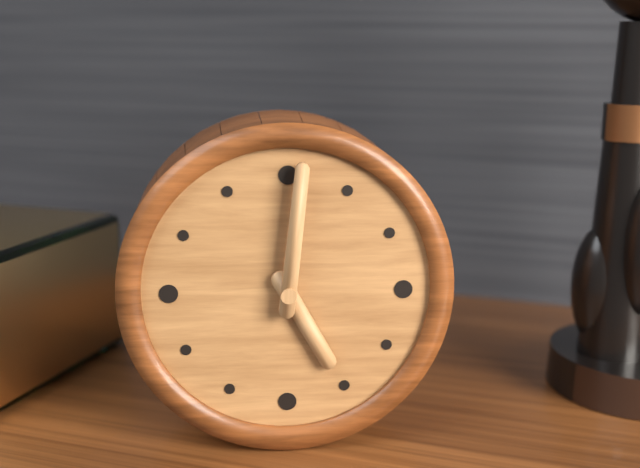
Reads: 5:01
